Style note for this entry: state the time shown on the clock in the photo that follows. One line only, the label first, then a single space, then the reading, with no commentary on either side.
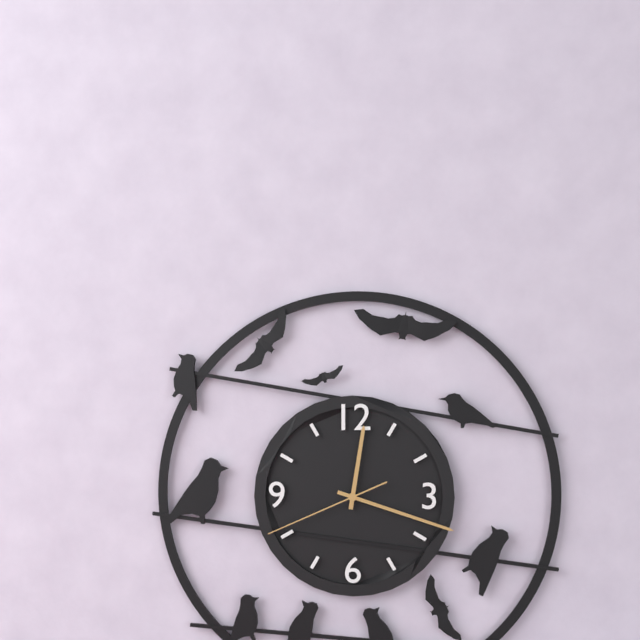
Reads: 12:18:41
